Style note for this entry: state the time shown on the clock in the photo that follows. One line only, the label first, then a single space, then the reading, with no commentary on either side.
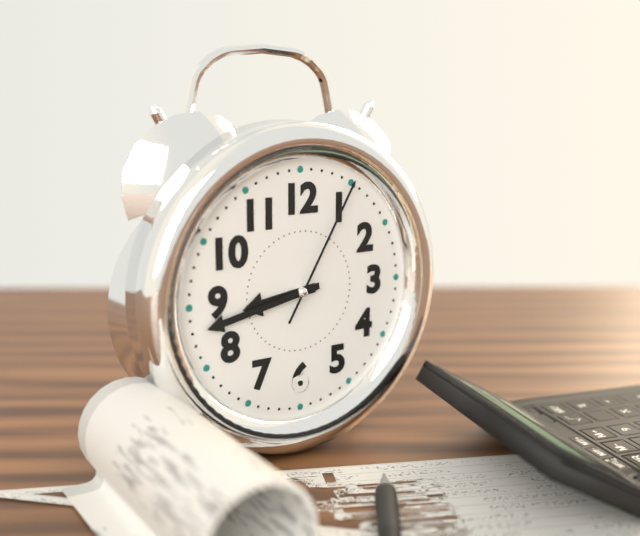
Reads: 8:43:05
